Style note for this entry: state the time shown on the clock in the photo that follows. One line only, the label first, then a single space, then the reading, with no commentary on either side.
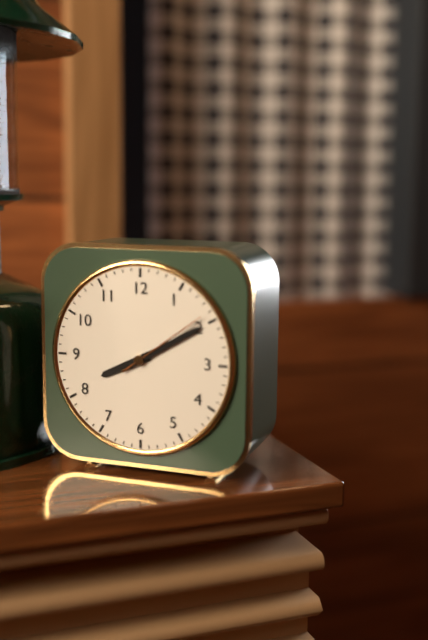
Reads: 8:10:09
